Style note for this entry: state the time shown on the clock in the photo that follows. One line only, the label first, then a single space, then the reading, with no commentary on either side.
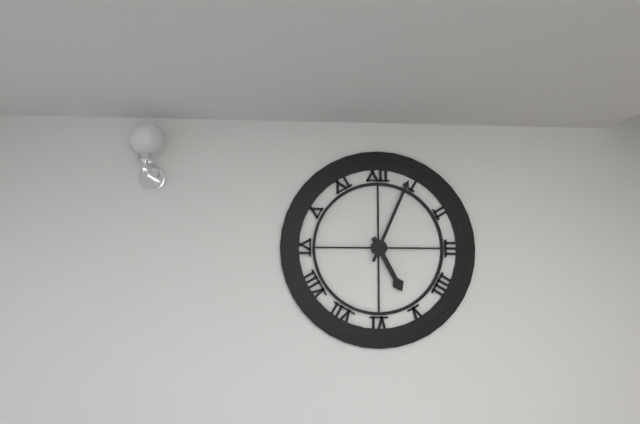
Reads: 5:04
